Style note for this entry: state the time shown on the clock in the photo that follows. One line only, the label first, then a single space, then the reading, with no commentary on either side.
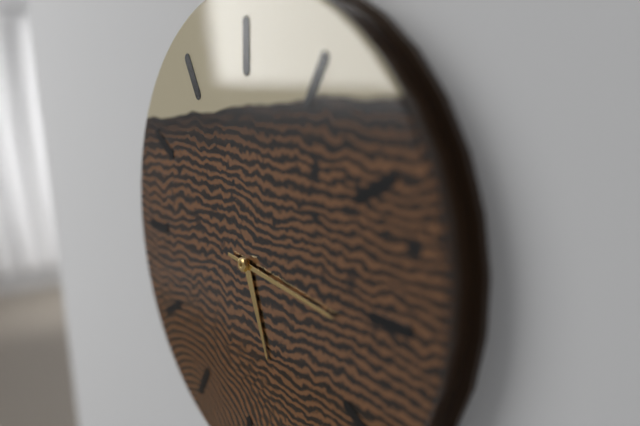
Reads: 5:16
